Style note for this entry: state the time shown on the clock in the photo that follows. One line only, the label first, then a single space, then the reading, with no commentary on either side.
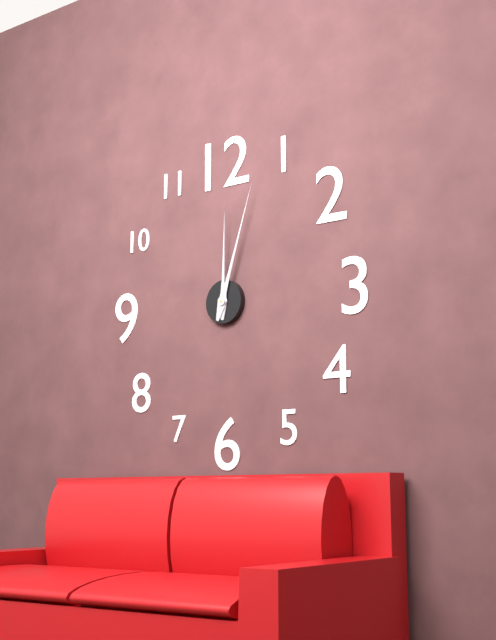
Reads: 12:03
